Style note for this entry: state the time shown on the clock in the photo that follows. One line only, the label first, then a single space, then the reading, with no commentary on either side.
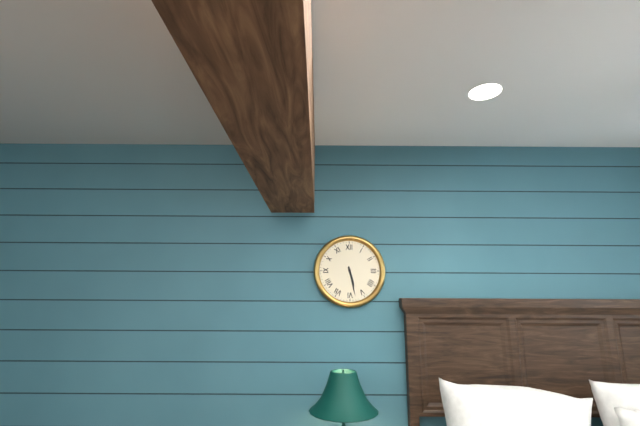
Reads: 5:28
